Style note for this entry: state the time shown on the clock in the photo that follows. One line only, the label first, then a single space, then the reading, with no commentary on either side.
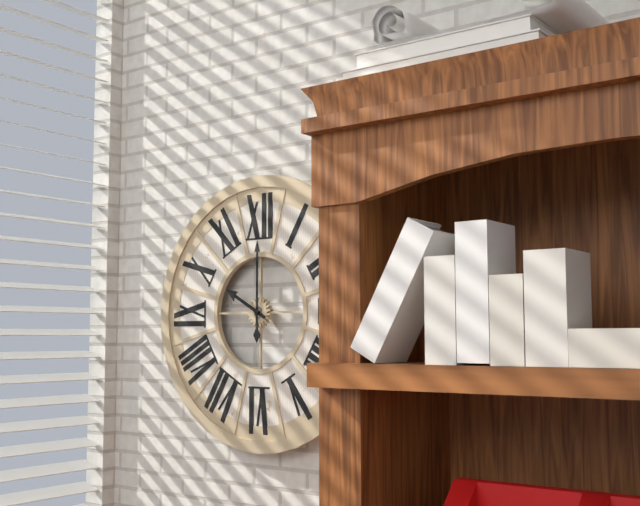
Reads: 10:00
